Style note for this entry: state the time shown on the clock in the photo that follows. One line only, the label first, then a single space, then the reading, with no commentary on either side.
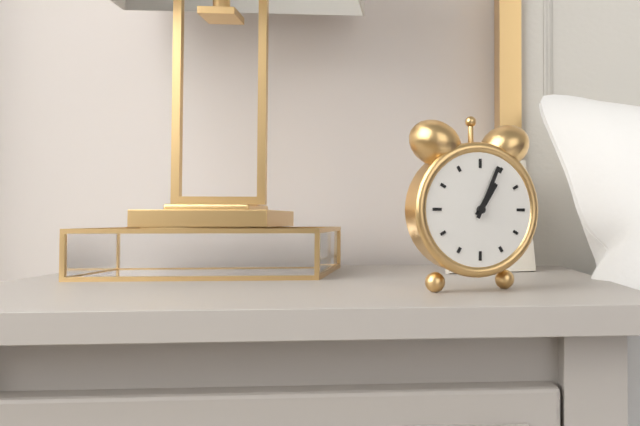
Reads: 1:04
